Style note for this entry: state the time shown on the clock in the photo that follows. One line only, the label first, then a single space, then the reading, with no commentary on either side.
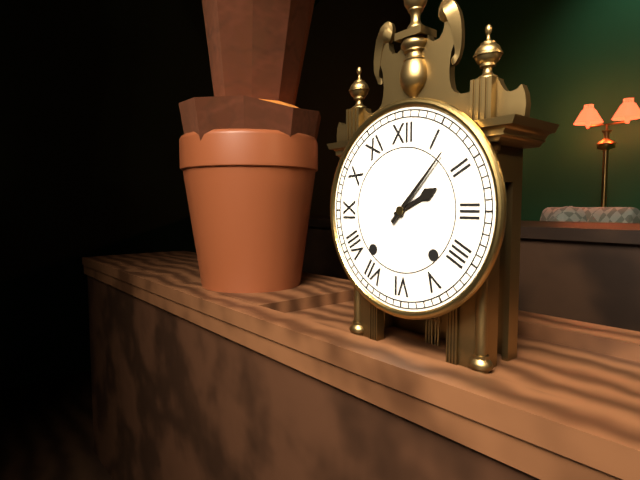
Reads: 2:07
